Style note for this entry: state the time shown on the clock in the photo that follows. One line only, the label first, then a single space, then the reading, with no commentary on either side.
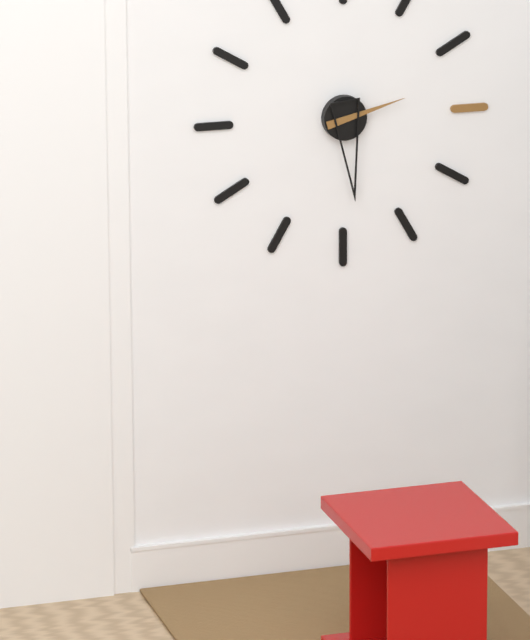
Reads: 2:29
